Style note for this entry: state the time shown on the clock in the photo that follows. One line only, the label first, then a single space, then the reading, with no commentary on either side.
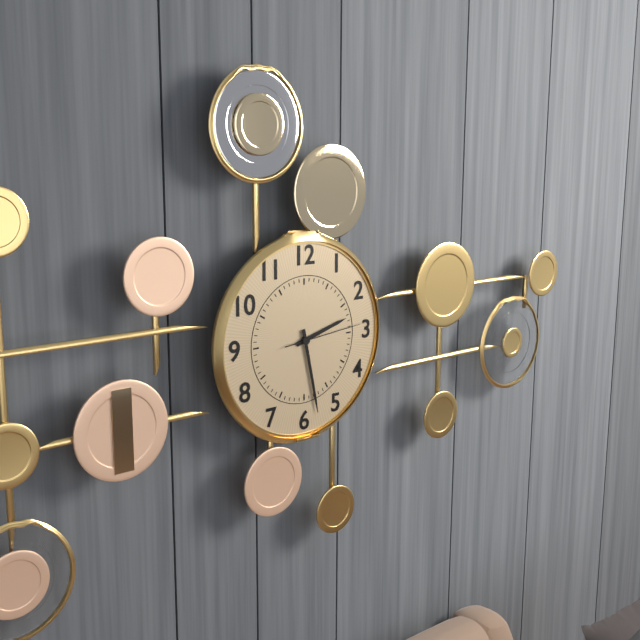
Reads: 2:28:14
